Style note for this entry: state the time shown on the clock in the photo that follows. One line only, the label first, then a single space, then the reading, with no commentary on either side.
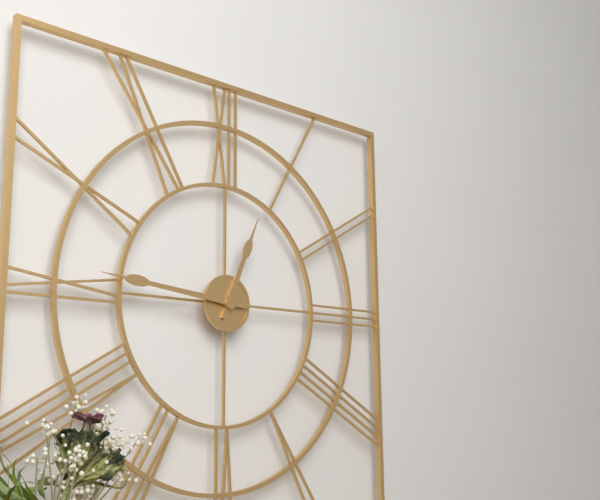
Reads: 12:46
